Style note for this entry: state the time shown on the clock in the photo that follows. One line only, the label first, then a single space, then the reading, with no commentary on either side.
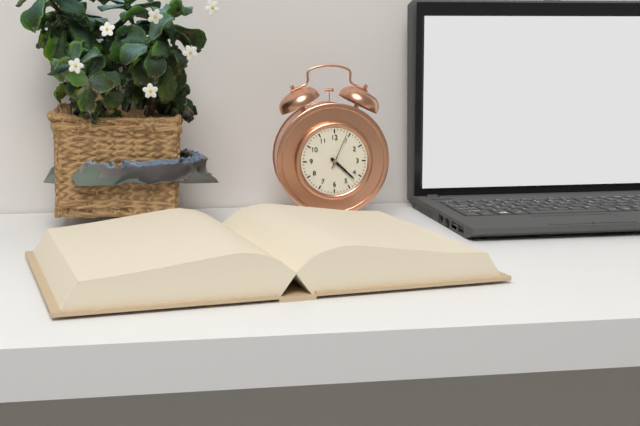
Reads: 4:22
